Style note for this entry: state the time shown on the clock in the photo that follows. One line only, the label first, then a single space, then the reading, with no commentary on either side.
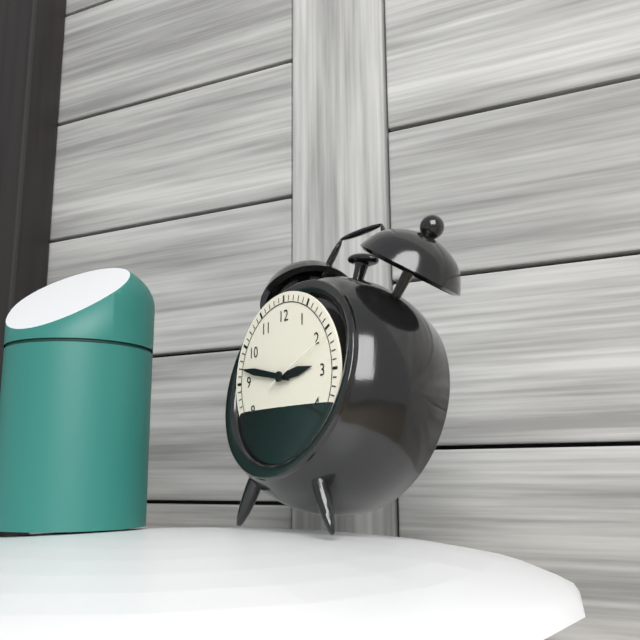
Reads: 2:47:11
